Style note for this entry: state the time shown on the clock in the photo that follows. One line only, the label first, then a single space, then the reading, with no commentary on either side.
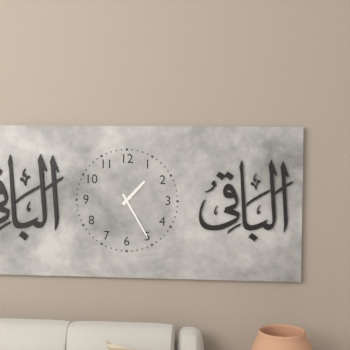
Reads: 1:25
